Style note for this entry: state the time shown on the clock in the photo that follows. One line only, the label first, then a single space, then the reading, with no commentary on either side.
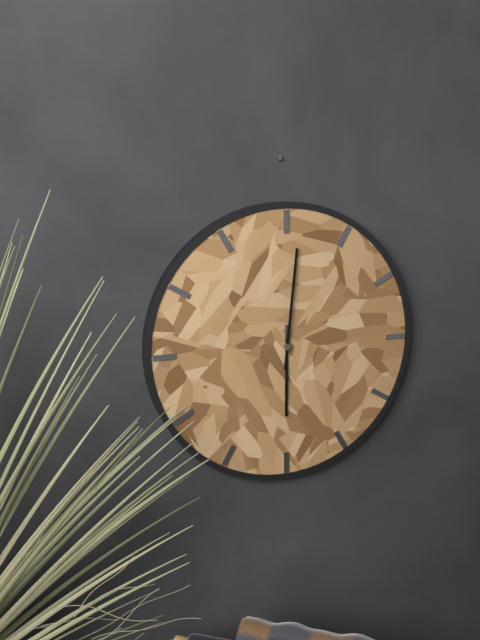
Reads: 6:01
